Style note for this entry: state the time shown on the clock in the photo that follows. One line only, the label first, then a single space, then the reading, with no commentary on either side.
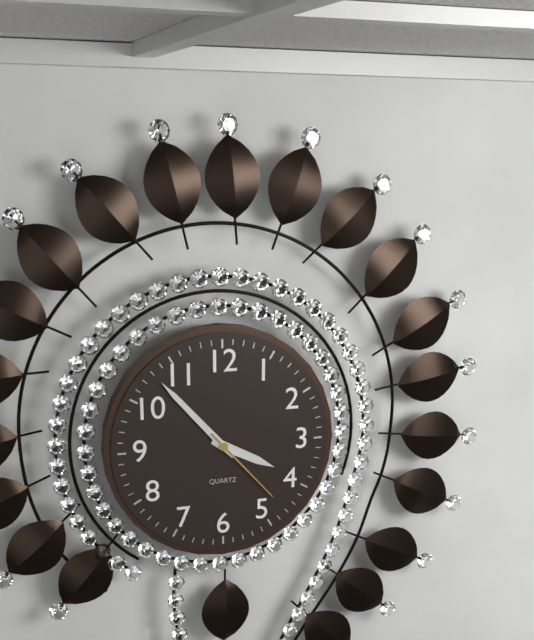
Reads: 3:53:23
